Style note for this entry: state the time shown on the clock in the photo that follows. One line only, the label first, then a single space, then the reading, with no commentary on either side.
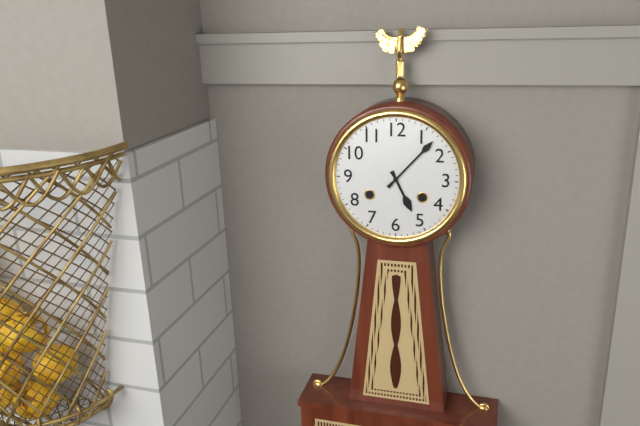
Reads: 5:07
